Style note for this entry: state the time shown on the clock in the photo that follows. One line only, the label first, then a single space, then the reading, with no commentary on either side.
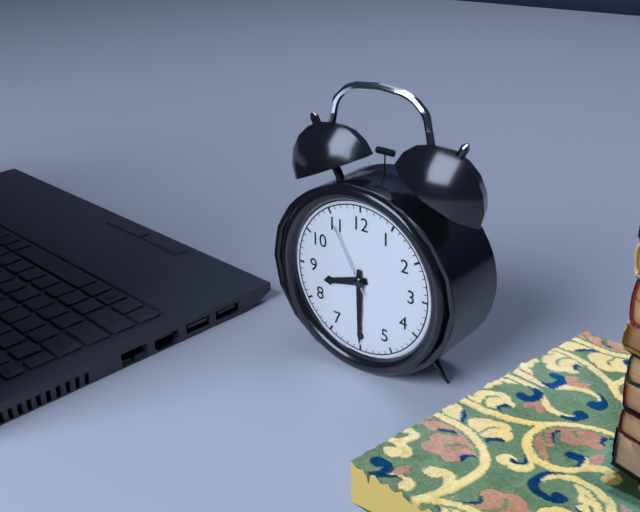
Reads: 8:30:55
